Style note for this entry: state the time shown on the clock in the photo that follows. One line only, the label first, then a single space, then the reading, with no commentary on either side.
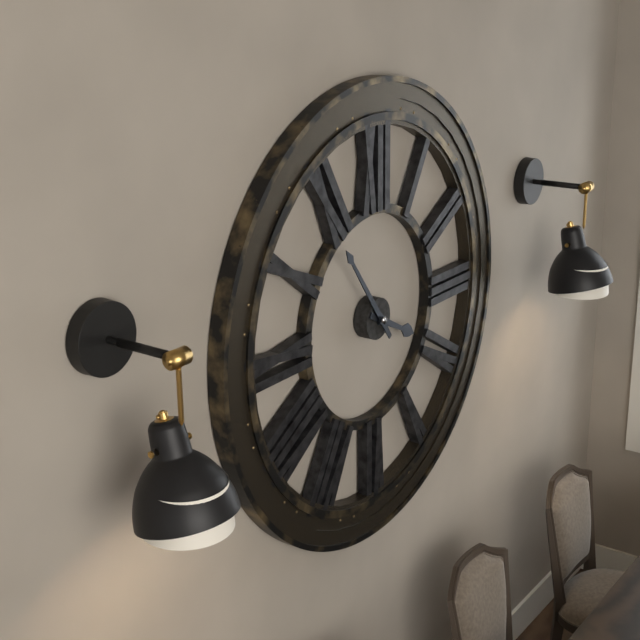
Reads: 3:54
